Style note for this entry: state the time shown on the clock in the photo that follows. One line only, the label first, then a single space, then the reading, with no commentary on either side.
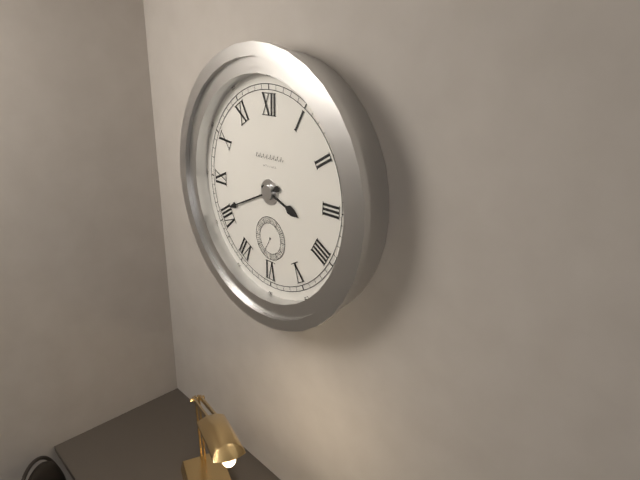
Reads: 3:41
